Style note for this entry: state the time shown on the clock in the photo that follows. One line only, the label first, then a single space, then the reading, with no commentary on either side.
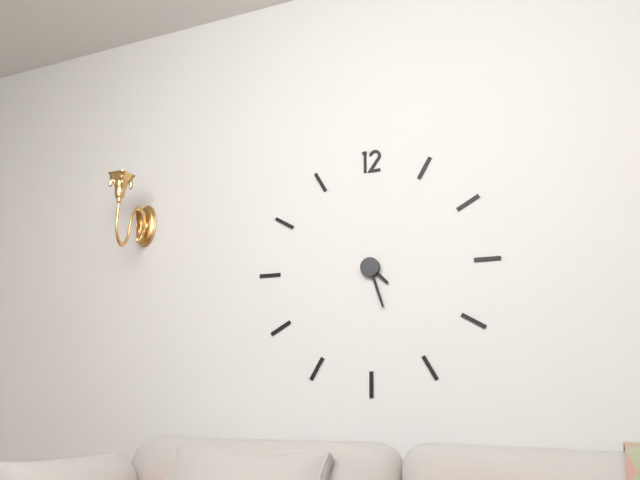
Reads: 4:27
